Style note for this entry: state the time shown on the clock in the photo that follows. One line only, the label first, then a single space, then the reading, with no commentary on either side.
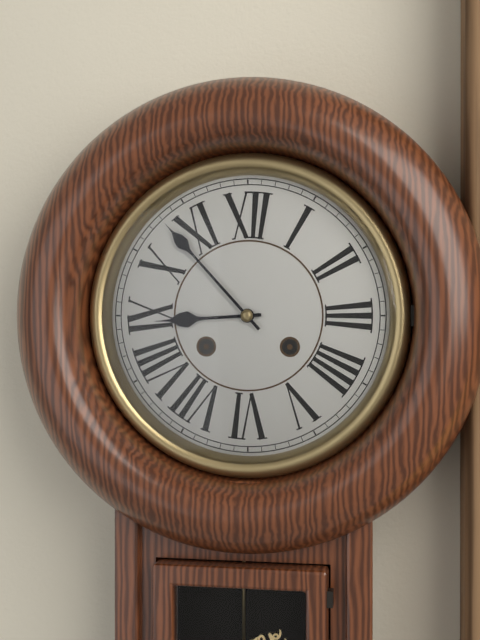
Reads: 8:53
